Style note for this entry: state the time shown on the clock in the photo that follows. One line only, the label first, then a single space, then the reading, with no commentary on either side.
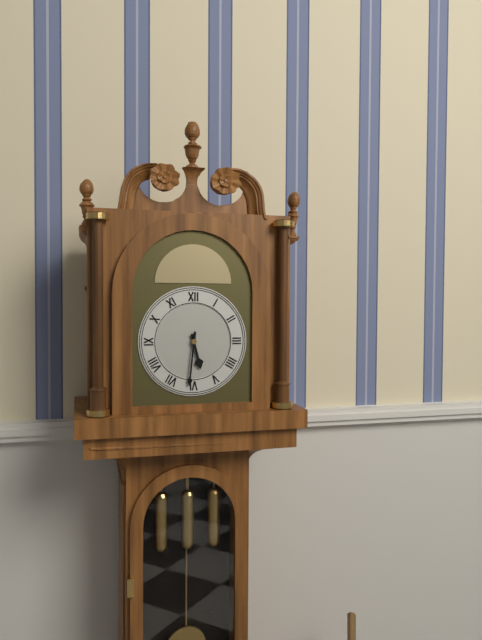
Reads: 5:31
